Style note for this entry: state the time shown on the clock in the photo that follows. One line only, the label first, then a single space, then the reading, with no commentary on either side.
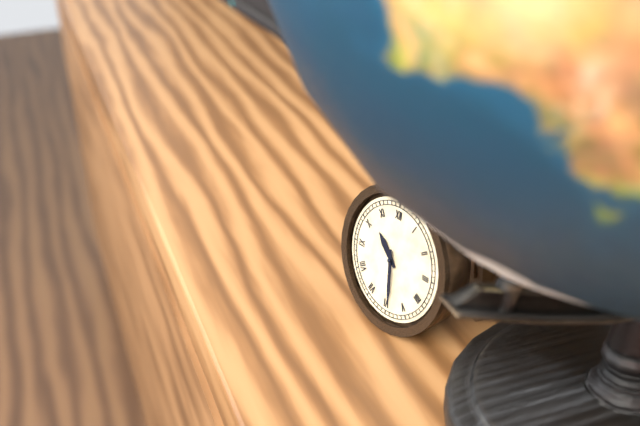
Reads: 10:29
